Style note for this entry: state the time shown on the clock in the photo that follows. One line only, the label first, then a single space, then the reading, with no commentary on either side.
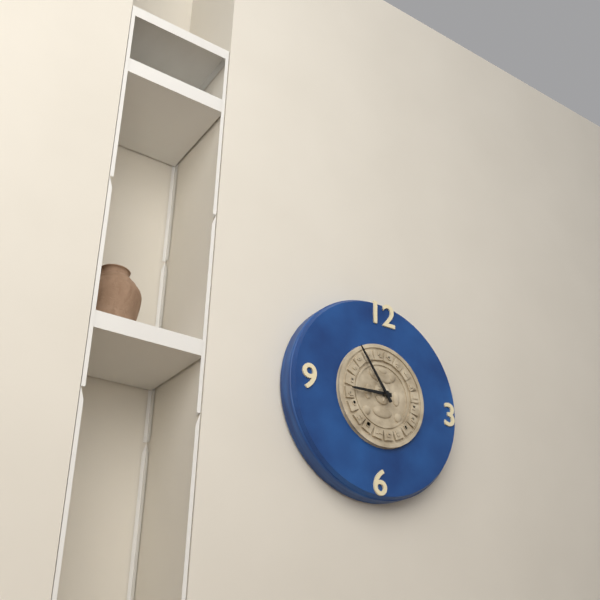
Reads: 8:54
